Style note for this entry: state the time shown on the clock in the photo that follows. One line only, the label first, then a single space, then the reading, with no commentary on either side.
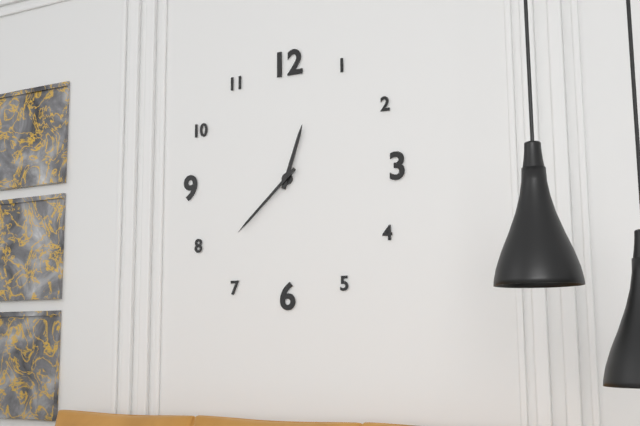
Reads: 12:38
